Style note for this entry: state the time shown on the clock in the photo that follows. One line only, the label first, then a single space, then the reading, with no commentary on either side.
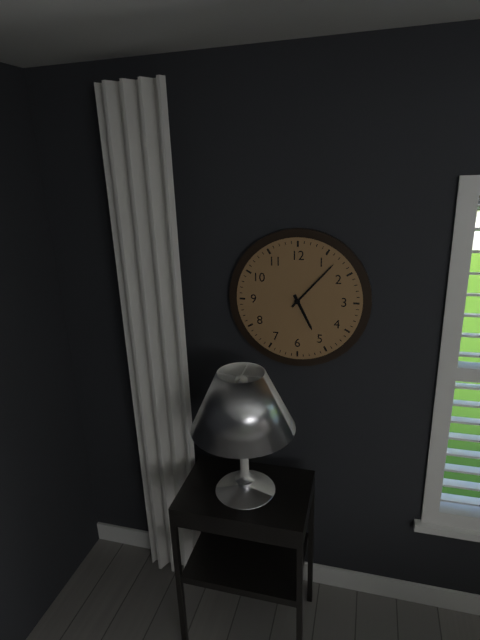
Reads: 5:07
